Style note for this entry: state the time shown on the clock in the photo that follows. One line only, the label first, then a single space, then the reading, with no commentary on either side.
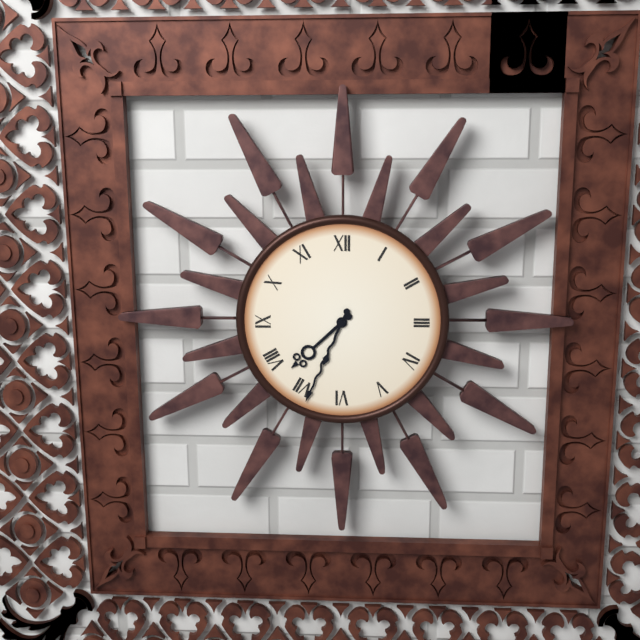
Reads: 7:34
